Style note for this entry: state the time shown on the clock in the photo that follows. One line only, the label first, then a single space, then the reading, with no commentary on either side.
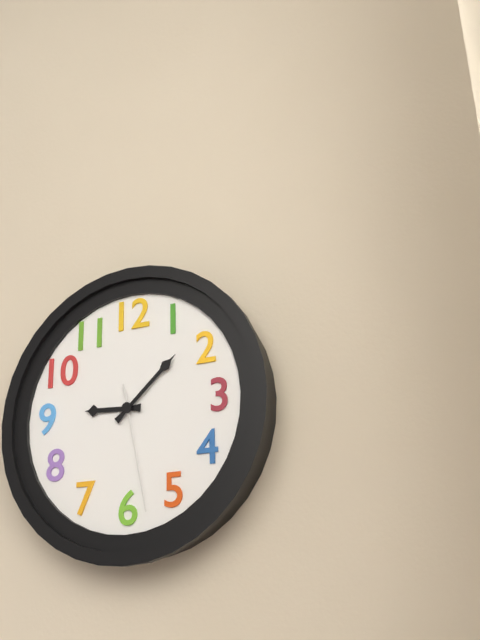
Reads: 9:08:28
